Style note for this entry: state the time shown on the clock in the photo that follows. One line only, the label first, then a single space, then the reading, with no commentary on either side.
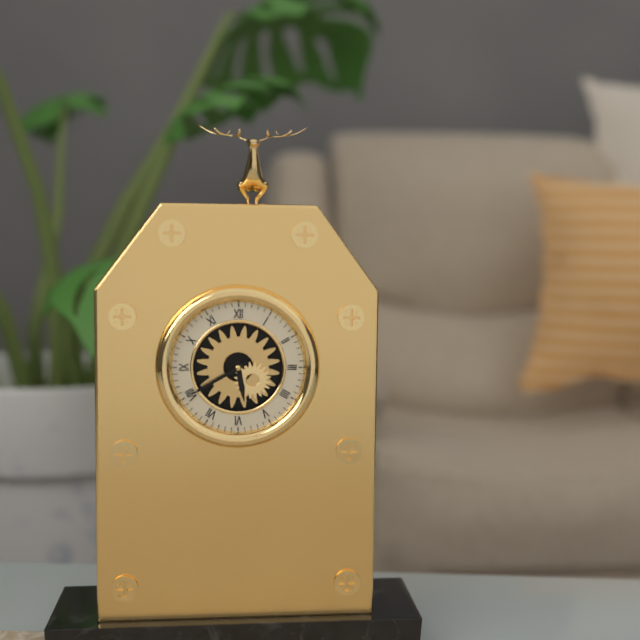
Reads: 5:40
